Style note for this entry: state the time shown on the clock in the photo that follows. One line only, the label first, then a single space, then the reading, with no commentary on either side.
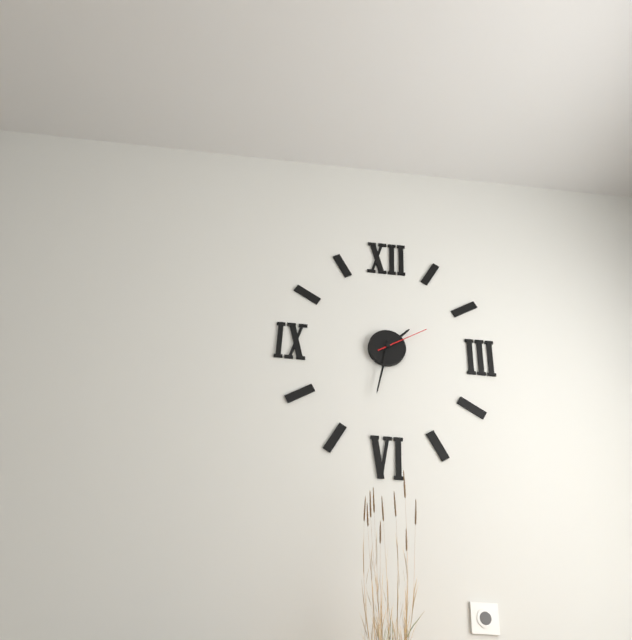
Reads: 1:32:10
